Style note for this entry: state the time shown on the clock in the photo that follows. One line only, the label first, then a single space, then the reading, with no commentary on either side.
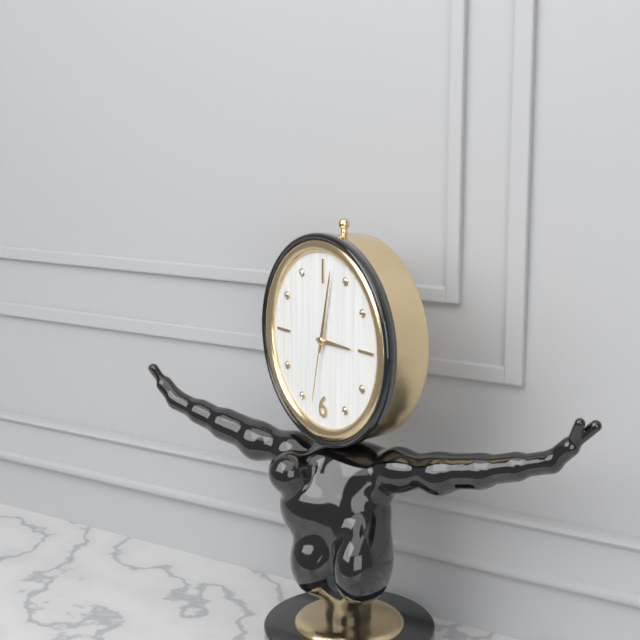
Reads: 3:02:32
